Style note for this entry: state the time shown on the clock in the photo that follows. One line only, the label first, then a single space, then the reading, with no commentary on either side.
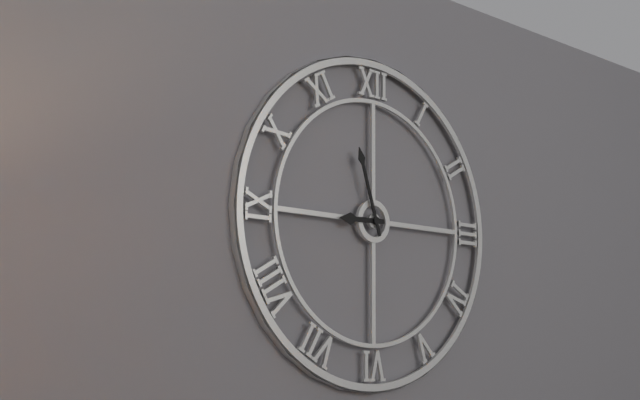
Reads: 8:57
